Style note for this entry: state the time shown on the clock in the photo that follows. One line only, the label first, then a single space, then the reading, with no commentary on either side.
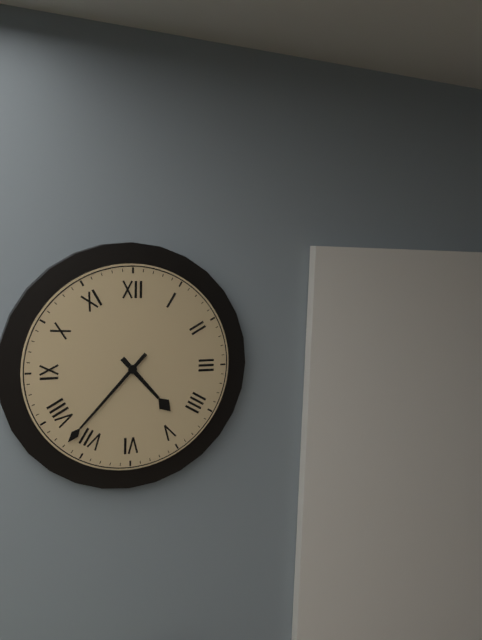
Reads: 4:37
